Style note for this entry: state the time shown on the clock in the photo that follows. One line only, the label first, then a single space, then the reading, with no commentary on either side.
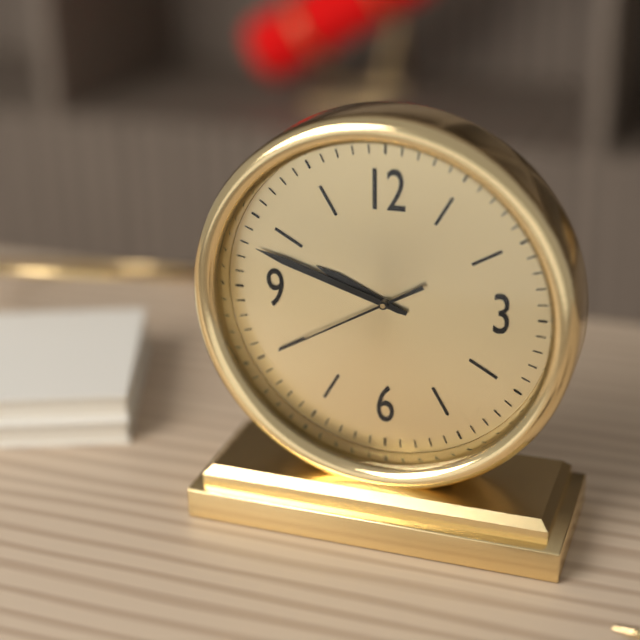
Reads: 9:48:40
